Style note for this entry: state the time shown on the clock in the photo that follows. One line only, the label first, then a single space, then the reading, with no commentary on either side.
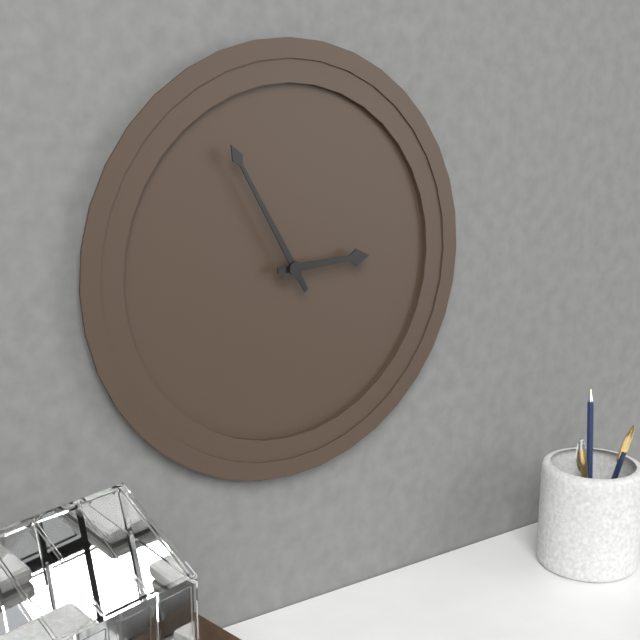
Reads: 2:55
